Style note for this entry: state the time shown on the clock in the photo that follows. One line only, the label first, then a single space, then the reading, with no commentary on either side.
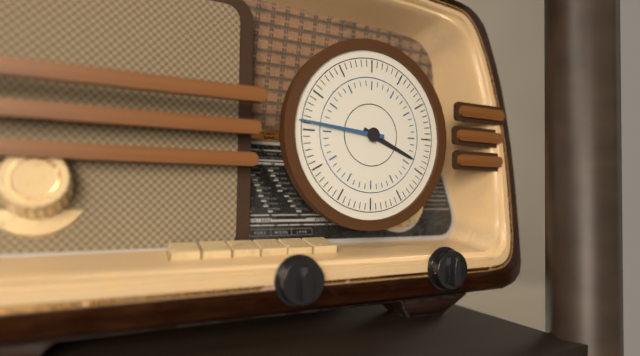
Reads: 3:46
